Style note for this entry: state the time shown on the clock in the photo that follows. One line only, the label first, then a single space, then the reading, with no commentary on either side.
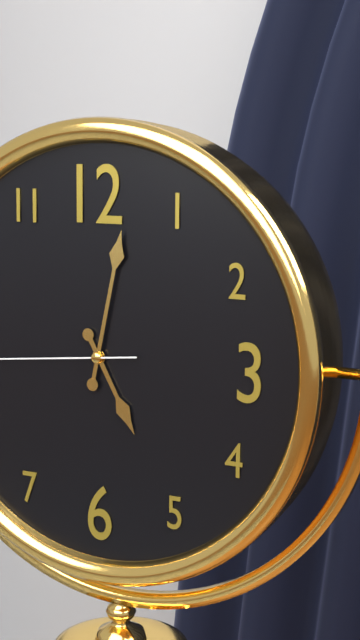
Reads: 5:02
